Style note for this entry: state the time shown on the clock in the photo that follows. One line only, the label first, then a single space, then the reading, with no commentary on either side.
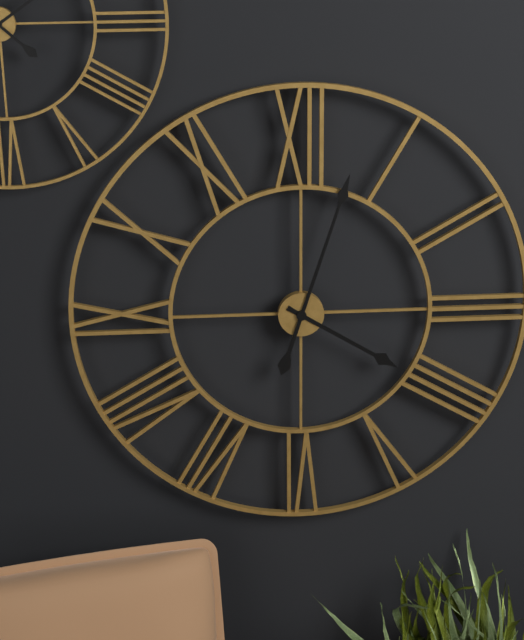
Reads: 4:03
